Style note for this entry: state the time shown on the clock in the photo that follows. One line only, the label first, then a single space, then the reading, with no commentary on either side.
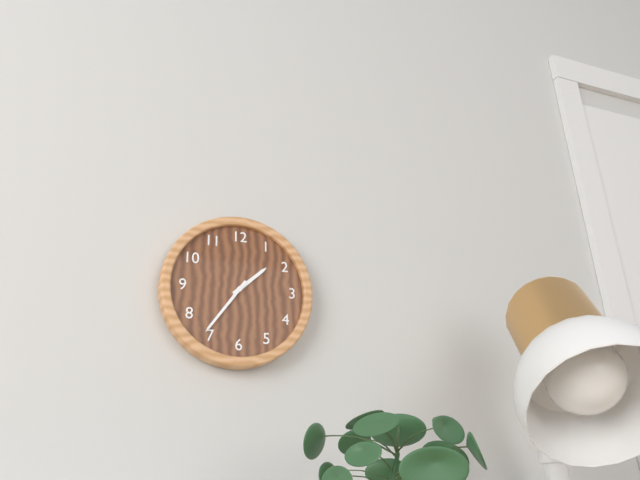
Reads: 1:36
